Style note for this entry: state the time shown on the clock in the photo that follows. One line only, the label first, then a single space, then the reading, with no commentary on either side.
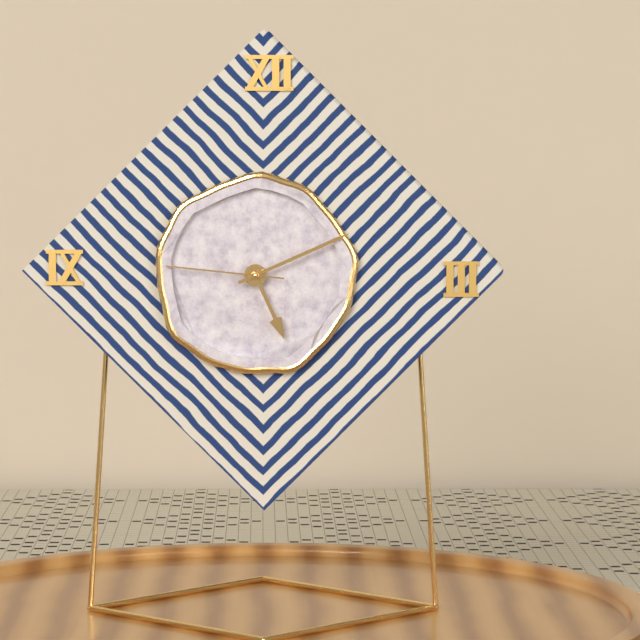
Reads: 5:11:46
